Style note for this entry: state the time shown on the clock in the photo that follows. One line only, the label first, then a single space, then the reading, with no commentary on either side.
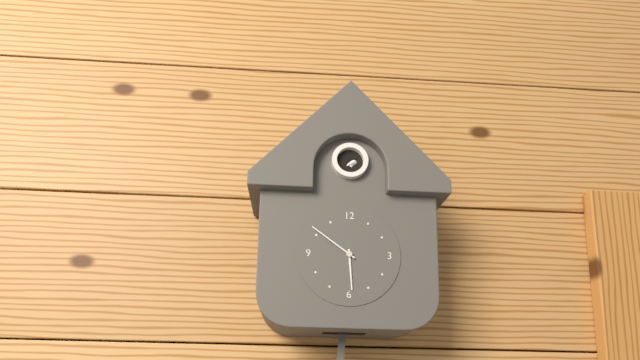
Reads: 5:51
